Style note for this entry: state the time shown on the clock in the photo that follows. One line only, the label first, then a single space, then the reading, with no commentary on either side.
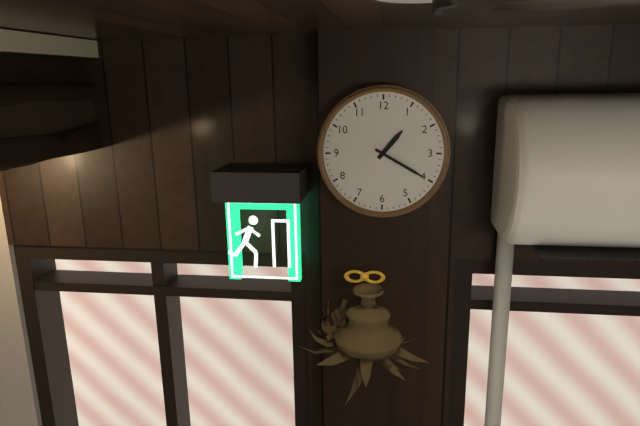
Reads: 1:20
